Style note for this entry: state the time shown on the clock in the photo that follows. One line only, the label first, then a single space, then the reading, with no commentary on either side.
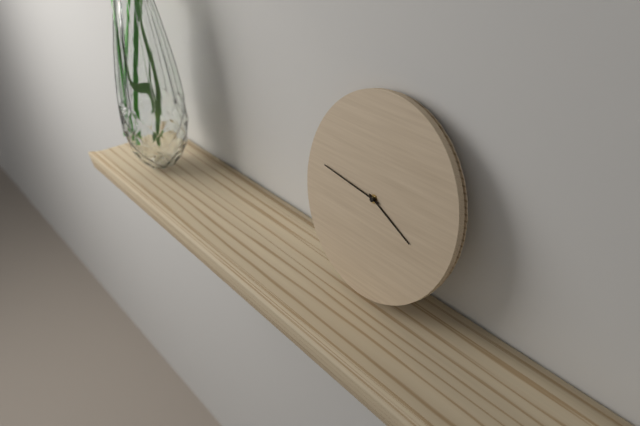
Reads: 3:46
